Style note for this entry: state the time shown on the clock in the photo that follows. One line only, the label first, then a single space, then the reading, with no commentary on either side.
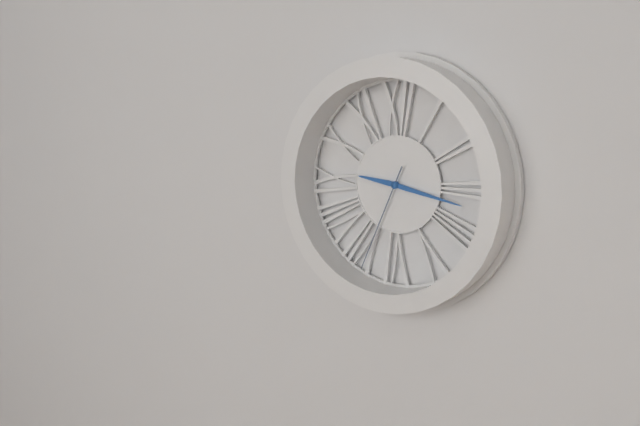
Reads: 9:17:34
